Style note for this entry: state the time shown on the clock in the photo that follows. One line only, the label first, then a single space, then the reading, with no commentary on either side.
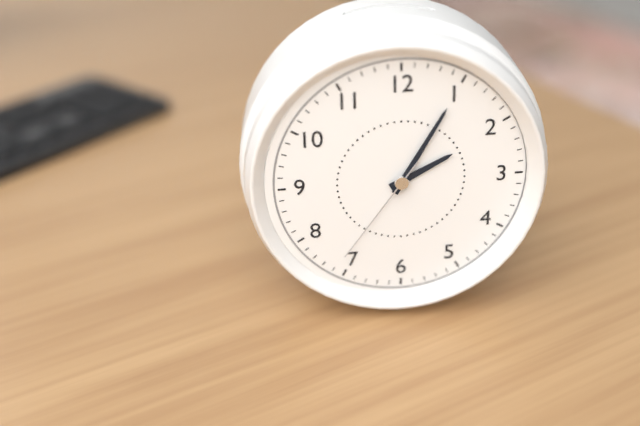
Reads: 2:05:36
